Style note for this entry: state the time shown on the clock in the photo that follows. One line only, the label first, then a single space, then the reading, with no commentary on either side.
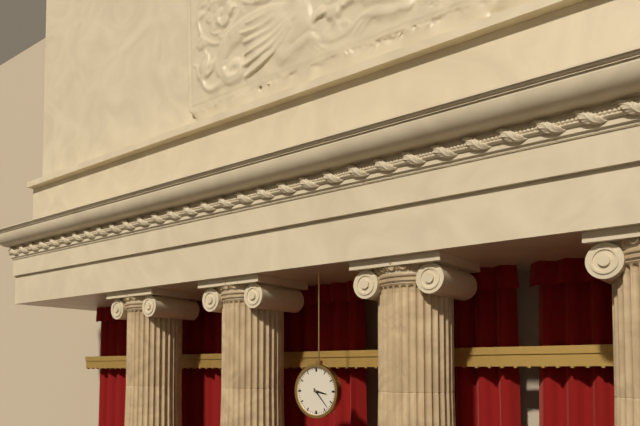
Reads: 3:23
